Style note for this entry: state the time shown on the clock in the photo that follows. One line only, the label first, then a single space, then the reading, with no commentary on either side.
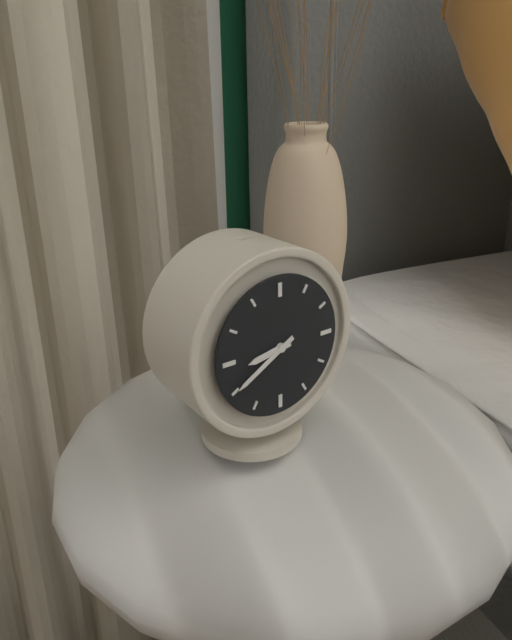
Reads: 8:40
